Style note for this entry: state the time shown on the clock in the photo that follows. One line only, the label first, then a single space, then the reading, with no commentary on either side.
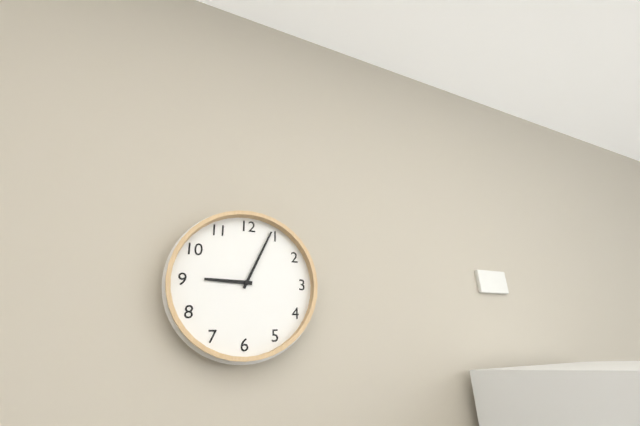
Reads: 9:04
